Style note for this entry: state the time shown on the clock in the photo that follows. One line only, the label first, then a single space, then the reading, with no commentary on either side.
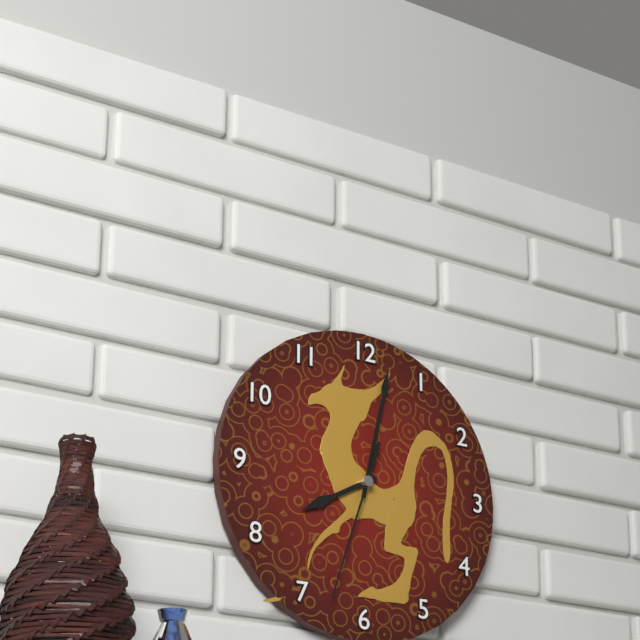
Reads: 8:02:33
